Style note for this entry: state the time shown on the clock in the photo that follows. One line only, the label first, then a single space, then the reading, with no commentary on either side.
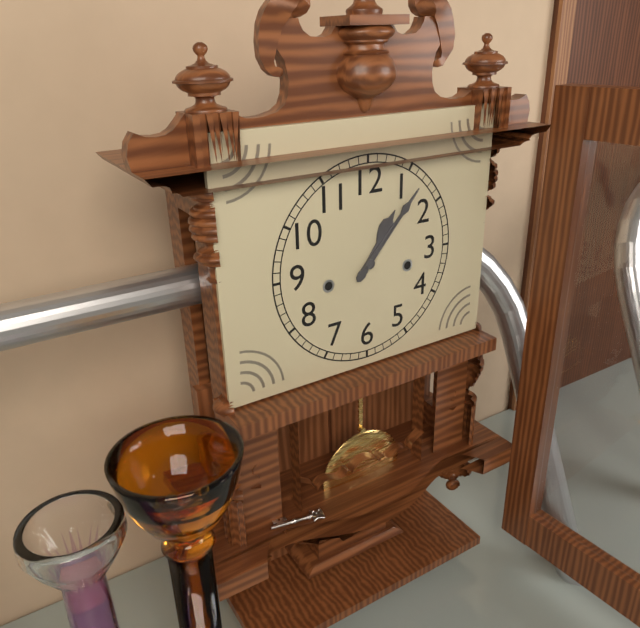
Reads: 1:07
